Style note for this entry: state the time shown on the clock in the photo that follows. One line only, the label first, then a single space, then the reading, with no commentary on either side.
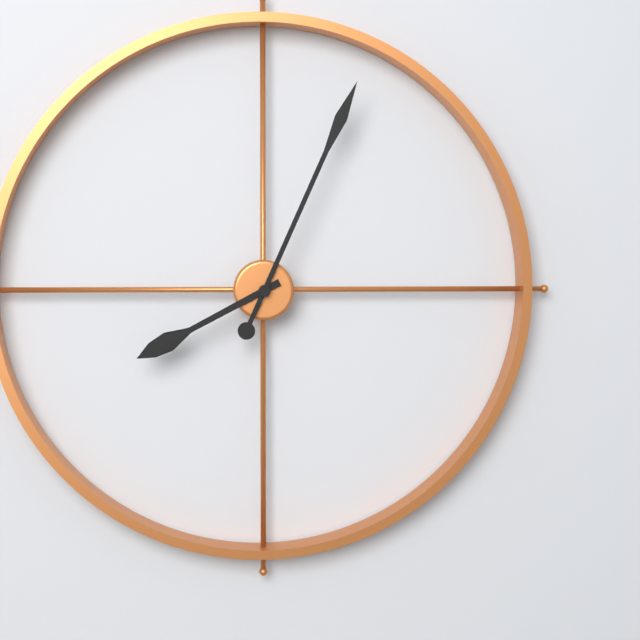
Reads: 8:04
